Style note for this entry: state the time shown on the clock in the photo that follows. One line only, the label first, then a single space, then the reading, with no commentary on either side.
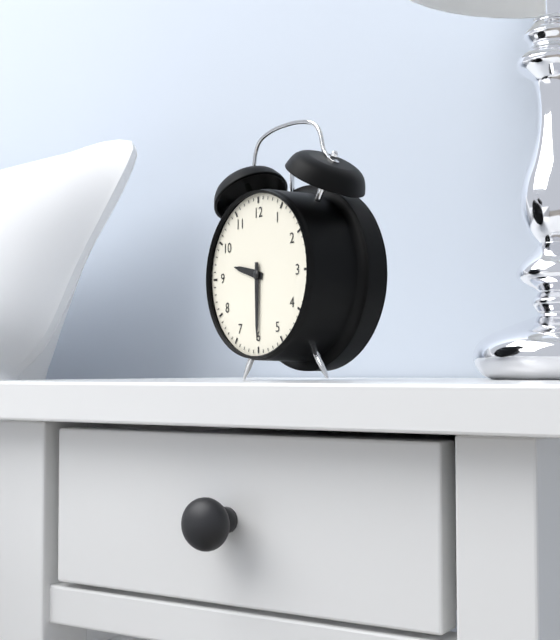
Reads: 9:30
